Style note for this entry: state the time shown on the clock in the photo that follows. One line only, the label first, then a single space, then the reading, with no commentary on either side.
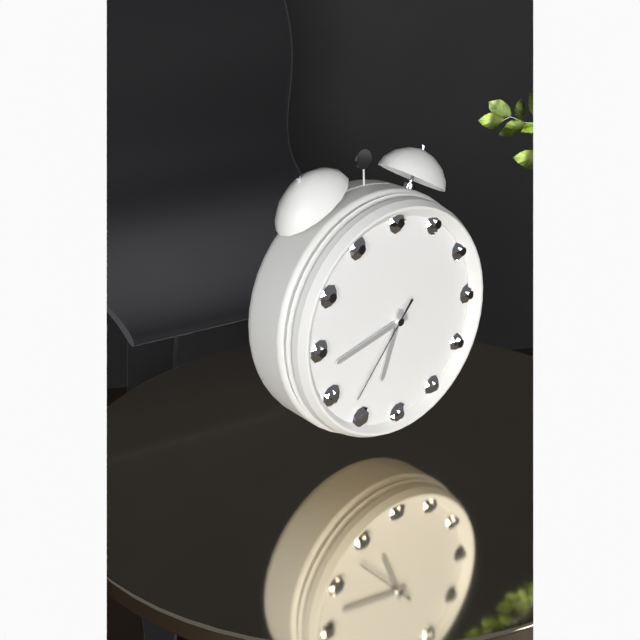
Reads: 6:43:37
